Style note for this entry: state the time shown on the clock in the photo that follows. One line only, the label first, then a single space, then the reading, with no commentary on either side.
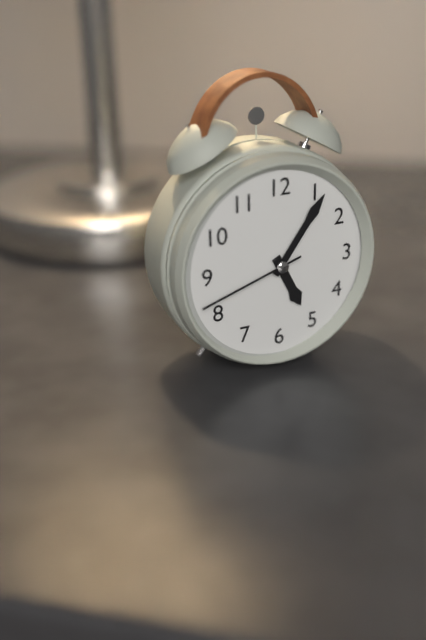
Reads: 5:06:42
